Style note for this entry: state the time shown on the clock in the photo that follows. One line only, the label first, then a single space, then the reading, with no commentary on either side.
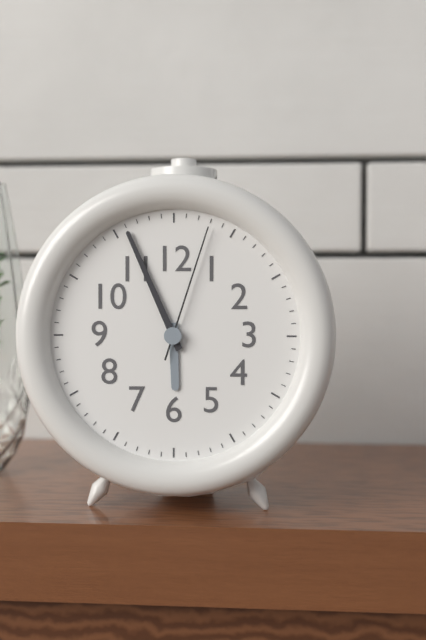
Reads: 5:56:03
